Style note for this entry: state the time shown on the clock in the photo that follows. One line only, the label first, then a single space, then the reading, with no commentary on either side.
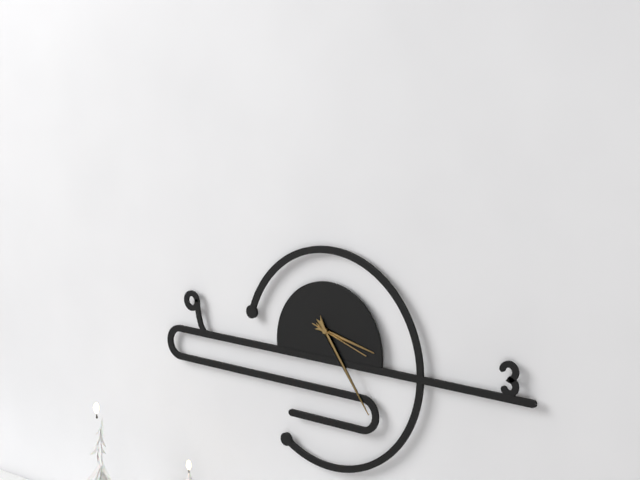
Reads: 3:24:18
